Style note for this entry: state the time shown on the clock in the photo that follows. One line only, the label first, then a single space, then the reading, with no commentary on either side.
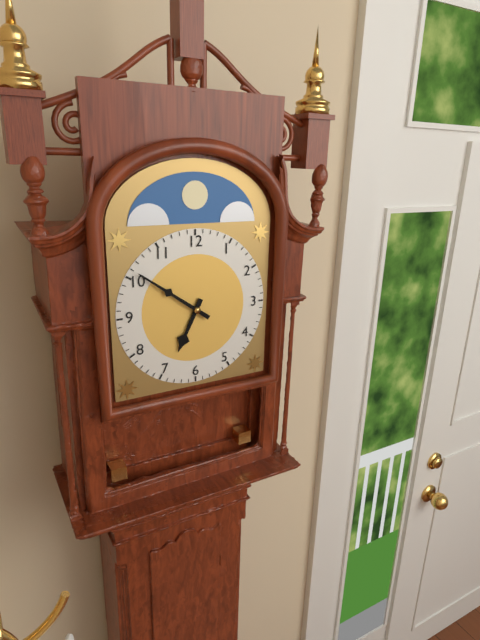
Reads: 6:51
